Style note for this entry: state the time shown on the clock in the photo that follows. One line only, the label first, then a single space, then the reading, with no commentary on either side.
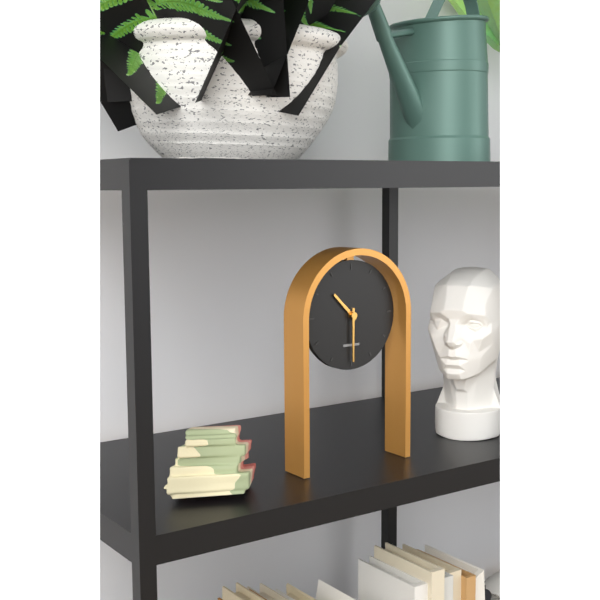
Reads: 10:30
